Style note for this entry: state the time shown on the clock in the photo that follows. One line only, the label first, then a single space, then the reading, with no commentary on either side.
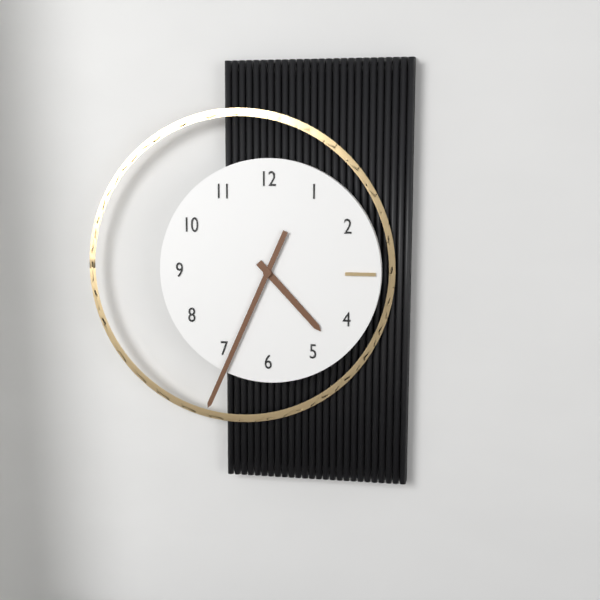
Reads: 4:34
